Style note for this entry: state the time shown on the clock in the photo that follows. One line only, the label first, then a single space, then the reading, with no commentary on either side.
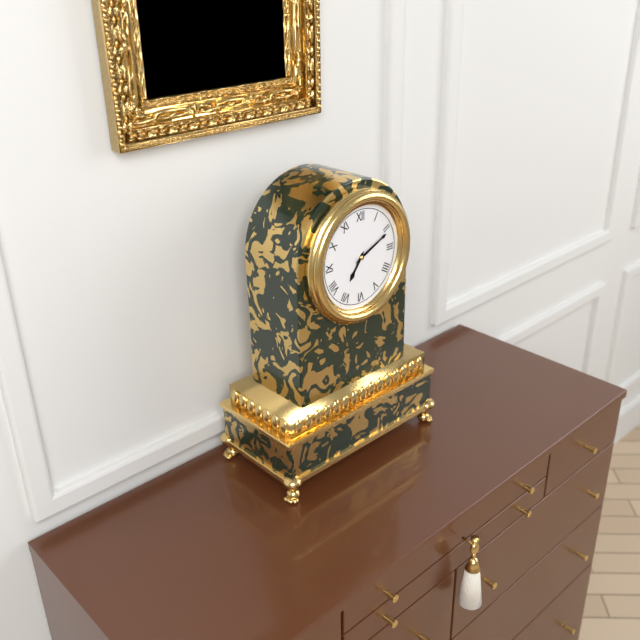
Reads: 7:11
